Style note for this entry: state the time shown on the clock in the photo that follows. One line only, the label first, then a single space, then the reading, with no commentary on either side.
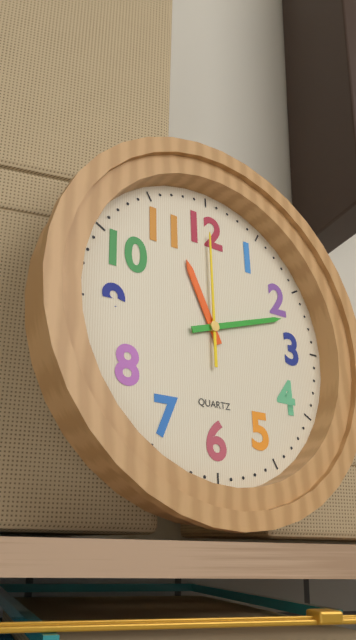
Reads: 11:12:00
